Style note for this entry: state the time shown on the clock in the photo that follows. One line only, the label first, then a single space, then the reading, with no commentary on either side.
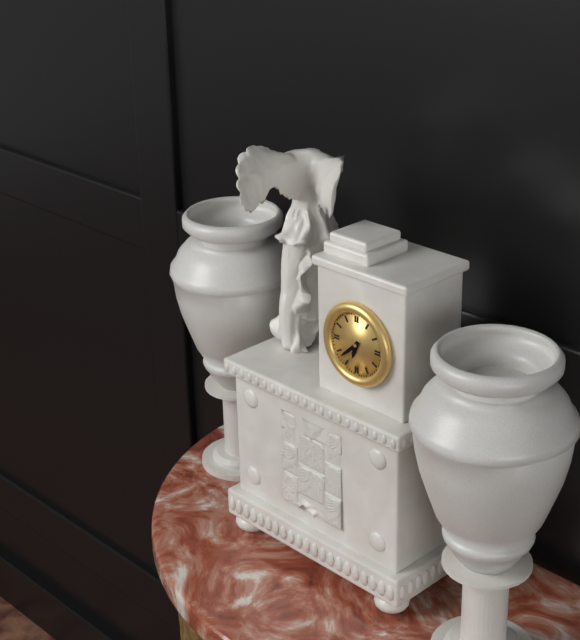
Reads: 6:38
